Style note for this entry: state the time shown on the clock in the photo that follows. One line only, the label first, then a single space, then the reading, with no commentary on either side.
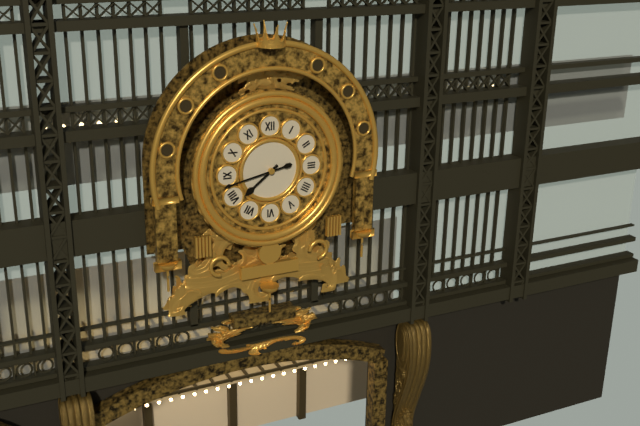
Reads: 7:43
